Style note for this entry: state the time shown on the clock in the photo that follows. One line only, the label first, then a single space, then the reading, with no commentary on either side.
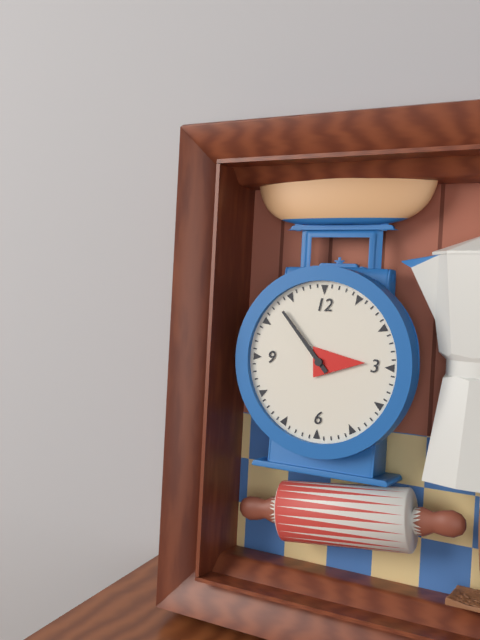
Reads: 2:53
